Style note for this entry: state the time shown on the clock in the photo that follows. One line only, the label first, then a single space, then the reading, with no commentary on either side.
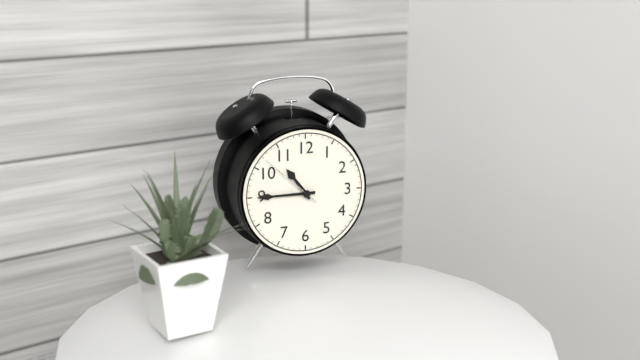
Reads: 10:45:52
